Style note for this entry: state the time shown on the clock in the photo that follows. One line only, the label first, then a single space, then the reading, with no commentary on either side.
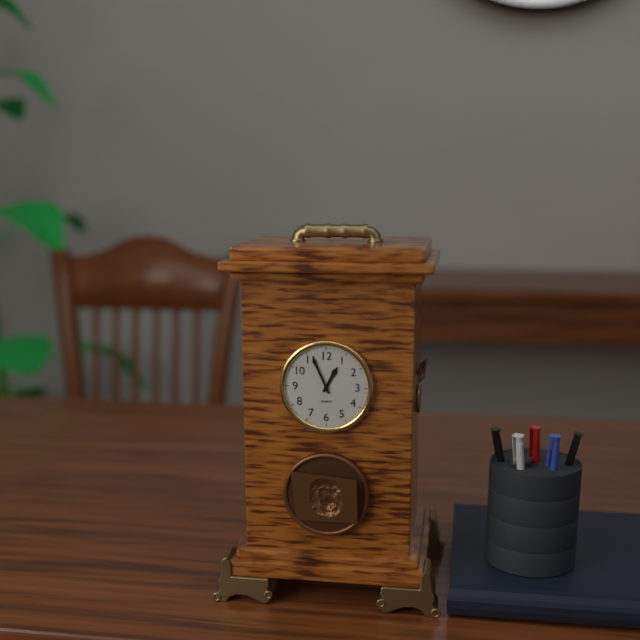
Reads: 12:56
